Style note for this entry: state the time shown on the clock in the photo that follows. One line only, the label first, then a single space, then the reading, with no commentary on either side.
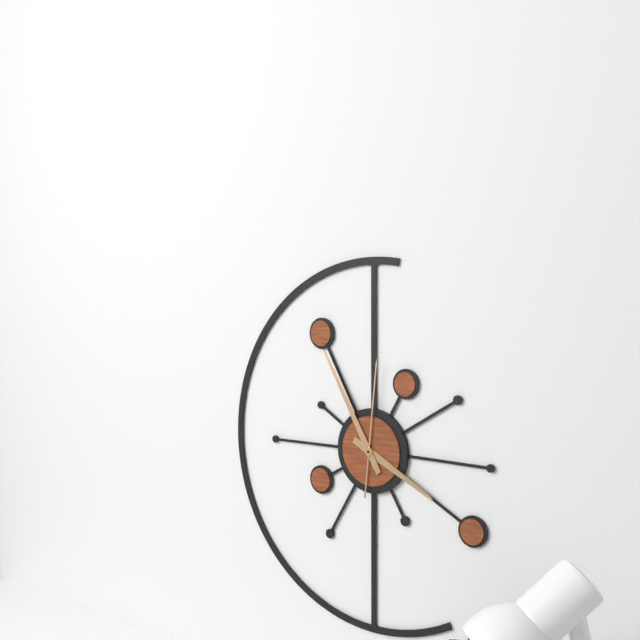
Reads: 3:55:01
